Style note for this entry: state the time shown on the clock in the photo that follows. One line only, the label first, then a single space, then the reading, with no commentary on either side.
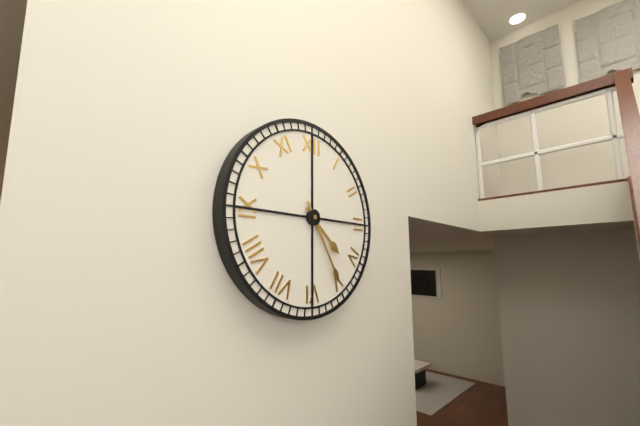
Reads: 4:25
